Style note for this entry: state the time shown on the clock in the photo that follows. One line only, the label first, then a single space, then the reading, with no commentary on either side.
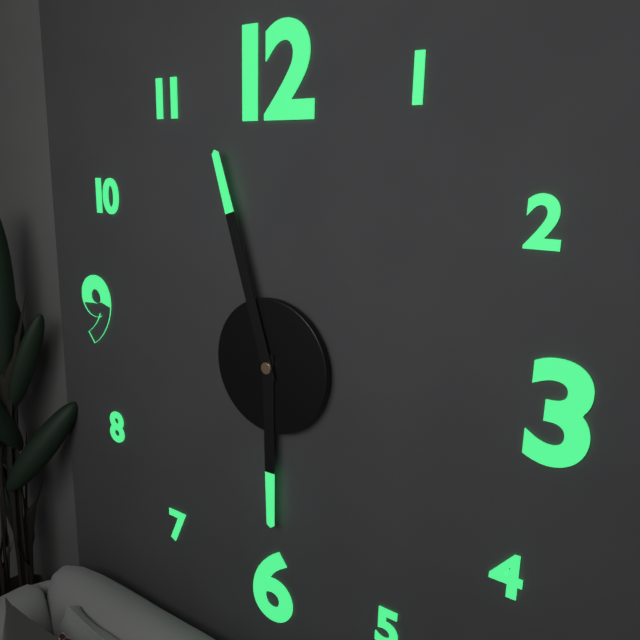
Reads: 5:57
